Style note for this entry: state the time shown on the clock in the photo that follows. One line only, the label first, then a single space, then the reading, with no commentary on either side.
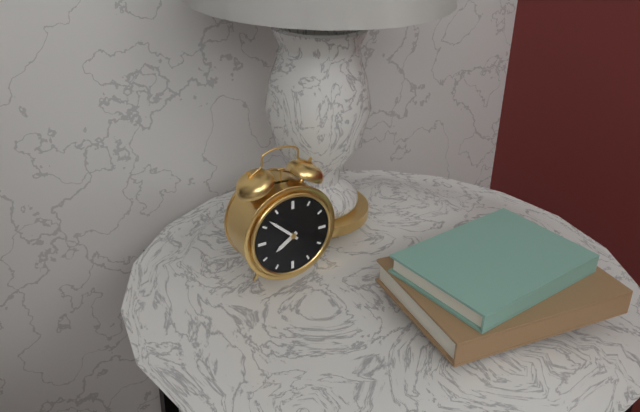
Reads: 7:52
